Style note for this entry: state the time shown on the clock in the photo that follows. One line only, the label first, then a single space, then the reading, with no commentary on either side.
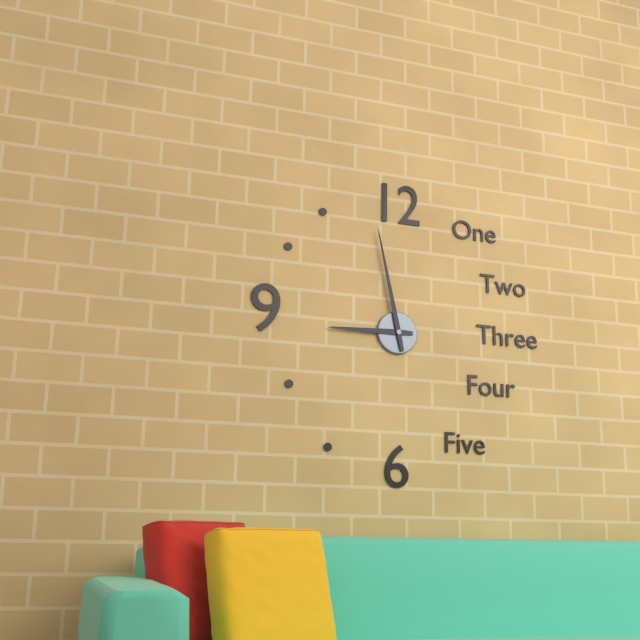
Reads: 8:58
